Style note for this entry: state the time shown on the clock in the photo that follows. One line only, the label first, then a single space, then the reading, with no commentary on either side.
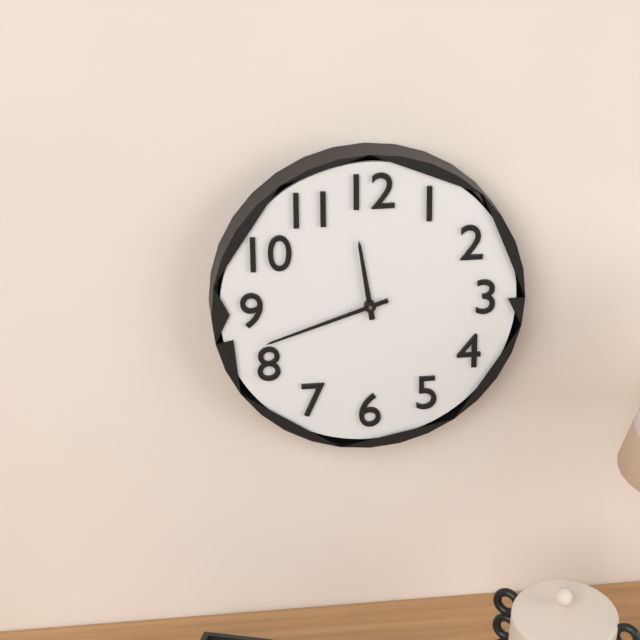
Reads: 11:42
